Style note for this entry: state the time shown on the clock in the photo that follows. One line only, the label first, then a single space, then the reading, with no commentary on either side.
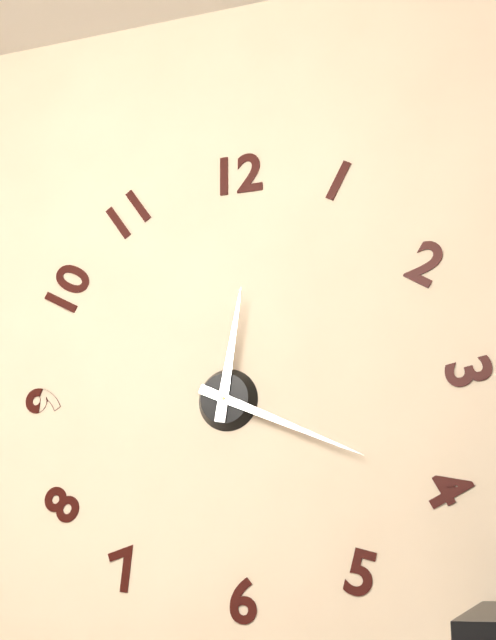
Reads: 12:19
